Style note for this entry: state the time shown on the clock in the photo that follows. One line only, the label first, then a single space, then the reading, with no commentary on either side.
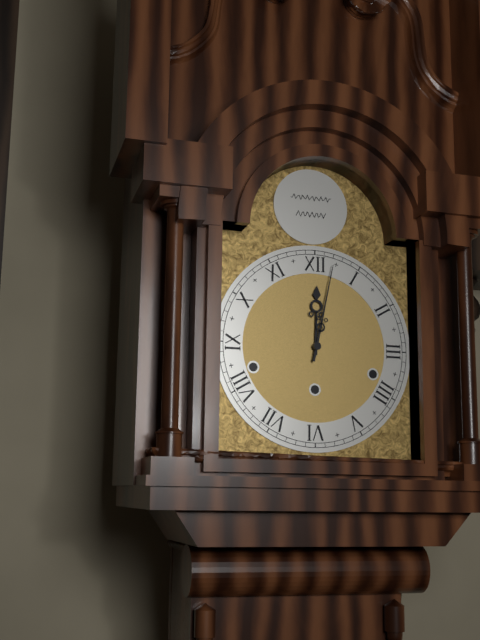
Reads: 12:02
